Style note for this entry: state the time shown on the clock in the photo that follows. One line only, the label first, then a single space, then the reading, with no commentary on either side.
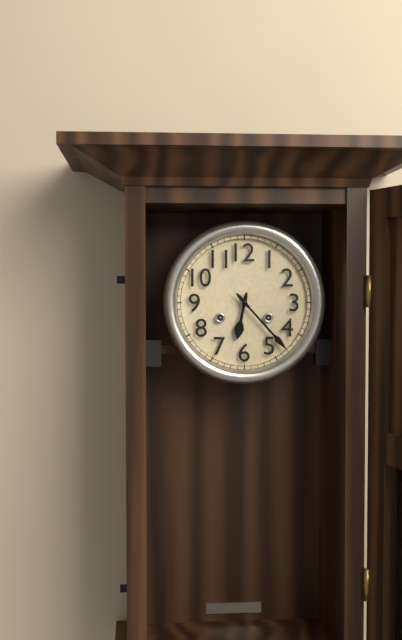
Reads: 6:23
